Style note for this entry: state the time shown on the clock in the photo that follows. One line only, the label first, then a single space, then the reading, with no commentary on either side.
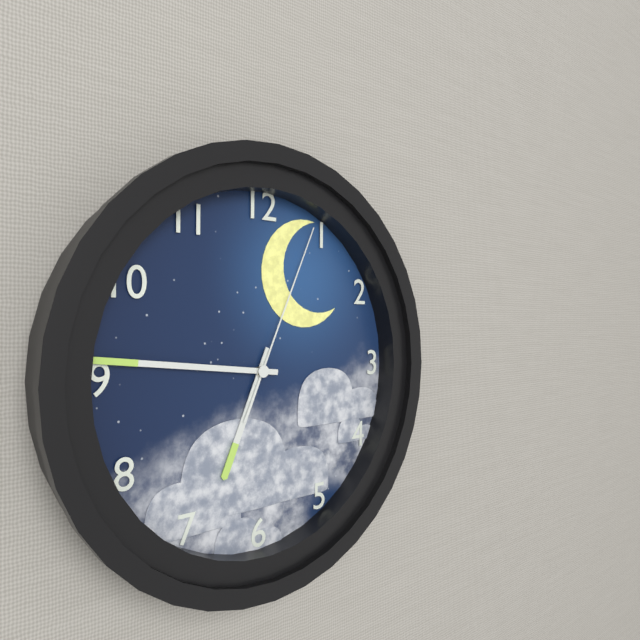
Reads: 6:46:04
